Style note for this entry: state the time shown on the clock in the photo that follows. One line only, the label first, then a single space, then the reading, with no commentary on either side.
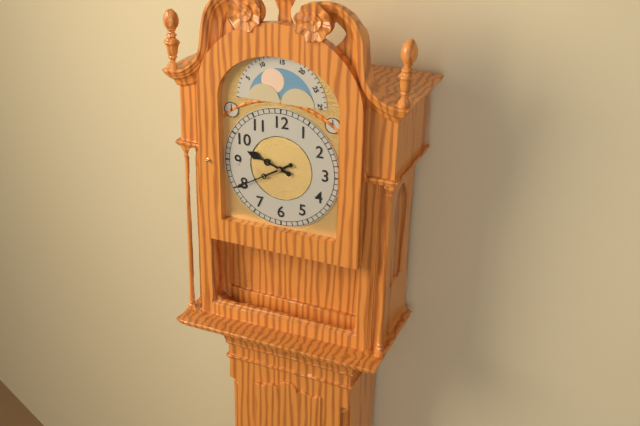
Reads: 9:40
